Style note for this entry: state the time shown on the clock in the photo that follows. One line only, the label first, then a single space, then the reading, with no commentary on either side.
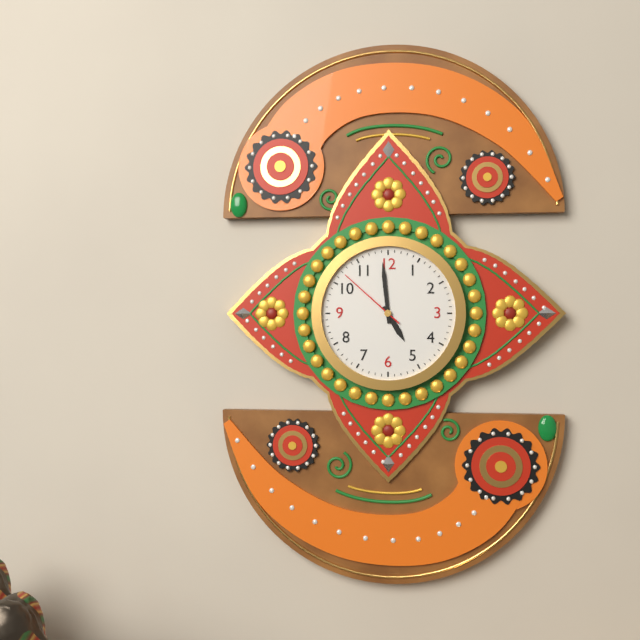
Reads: 4:59:52
